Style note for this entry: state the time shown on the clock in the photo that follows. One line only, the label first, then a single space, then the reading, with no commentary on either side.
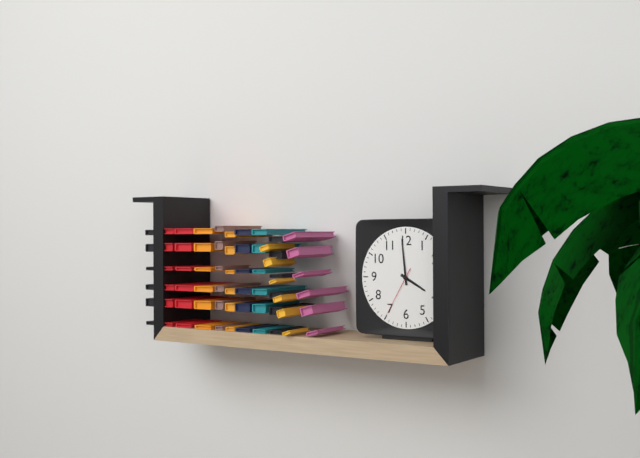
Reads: 3:59:35
